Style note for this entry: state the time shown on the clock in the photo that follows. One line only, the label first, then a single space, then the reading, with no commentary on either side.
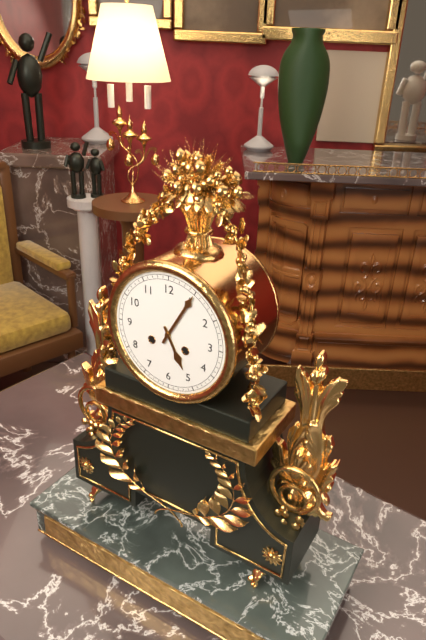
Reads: 5:05
